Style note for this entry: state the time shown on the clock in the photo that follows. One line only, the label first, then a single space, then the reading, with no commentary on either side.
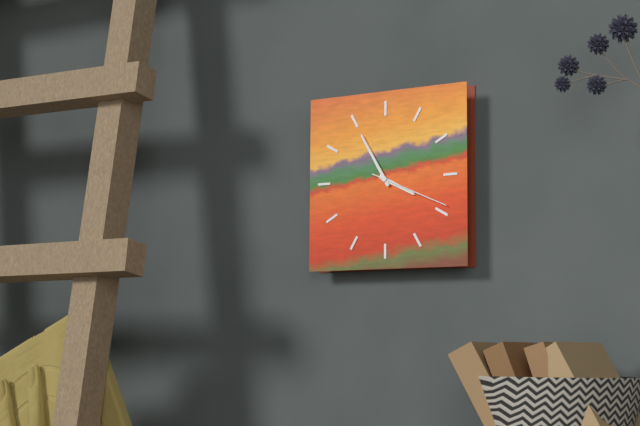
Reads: 3:55:19
